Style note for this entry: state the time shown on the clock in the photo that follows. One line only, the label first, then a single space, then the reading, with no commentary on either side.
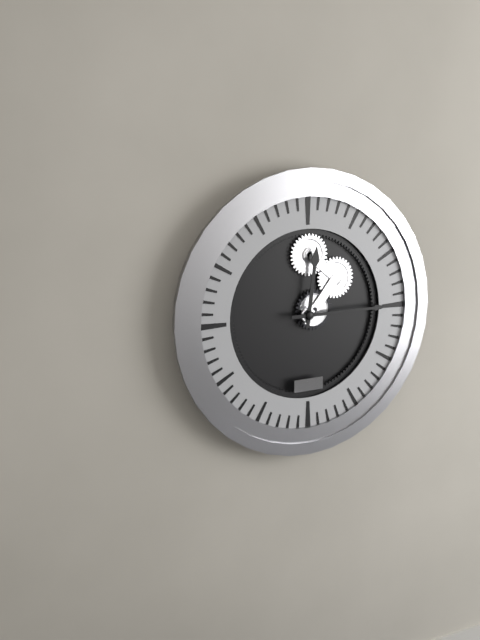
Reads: 12:15
